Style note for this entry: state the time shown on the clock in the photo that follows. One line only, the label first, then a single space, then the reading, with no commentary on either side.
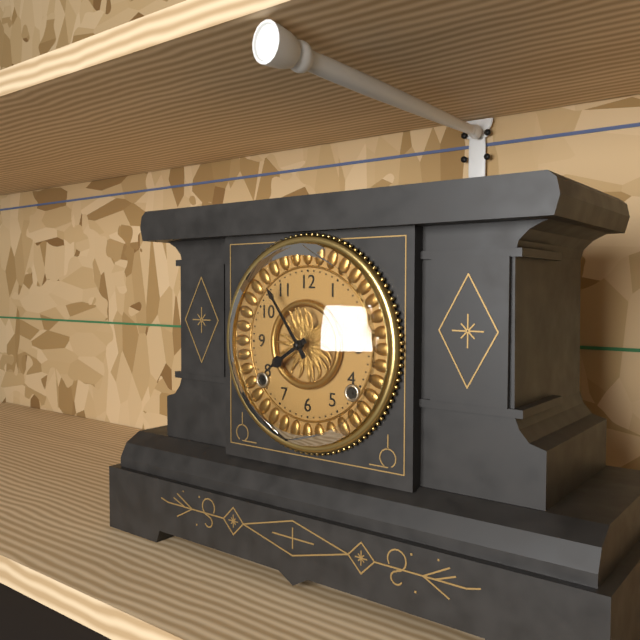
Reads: 7:54
